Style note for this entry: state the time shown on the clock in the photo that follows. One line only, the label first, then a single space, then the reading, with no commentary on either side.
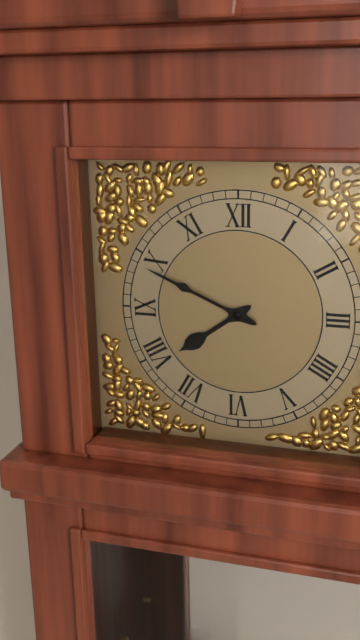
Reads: 7:49
